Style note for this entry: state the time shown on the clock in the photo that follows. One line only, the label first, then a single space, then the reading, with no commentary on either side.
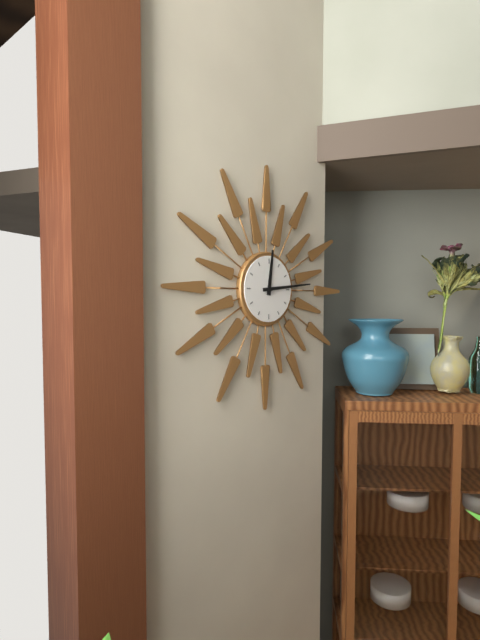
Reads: 12:14
